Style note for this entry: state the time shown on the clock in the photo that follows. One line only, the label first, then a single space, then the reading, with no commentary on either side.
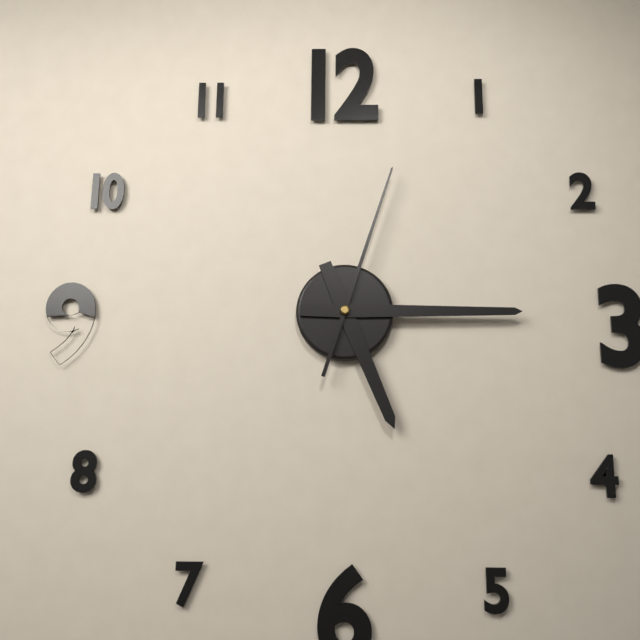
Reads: 5:15:03
